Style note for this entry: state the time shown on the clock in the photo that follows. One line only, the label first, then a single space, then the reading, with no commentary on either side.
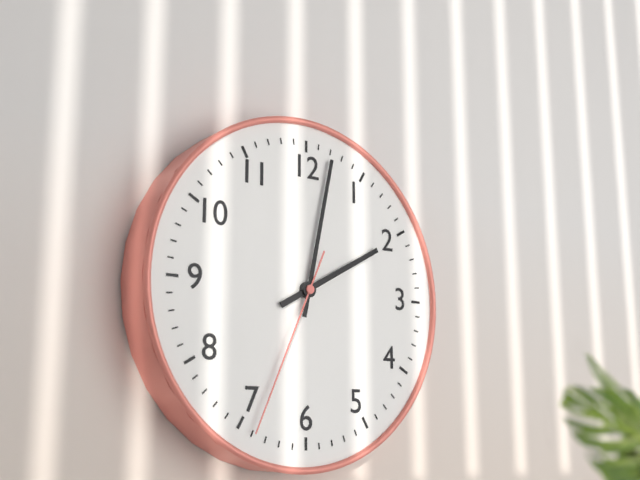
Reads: 2:02:34
